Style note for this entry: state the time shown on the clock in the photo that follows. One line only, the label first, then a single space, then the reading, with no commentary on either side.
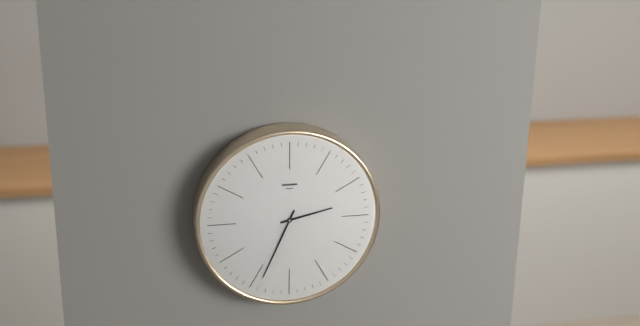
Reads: 2:34
